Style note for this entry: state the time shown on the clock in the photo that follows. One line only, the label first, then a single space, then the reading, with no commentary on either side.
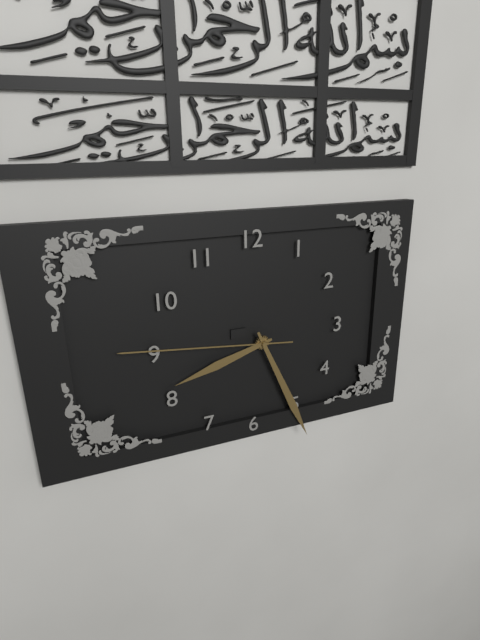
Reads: 8:26:46
